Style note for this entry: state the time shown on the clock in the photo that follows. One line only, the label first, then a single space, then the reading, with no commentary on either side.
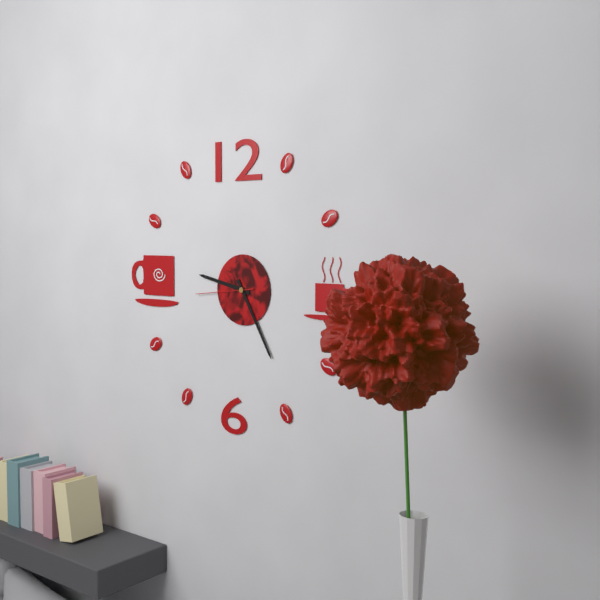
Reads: 9:25:44
